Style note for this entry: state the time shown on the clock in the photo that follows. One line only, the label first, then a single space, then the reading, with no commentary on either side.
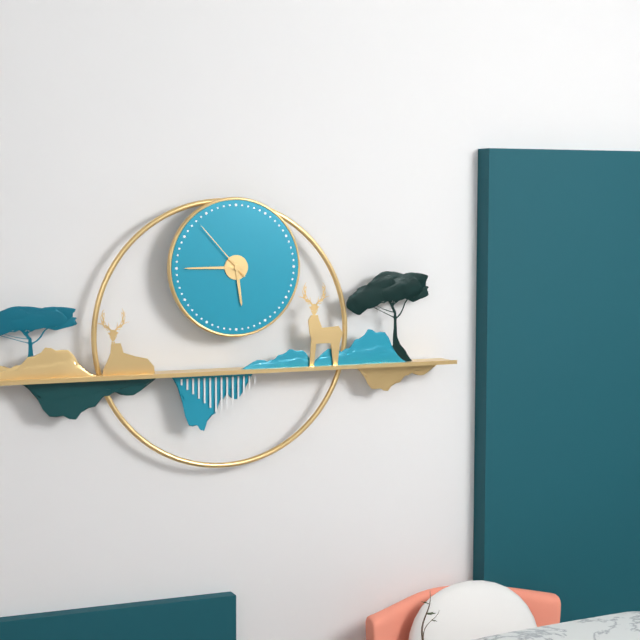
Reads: 5:45:53
